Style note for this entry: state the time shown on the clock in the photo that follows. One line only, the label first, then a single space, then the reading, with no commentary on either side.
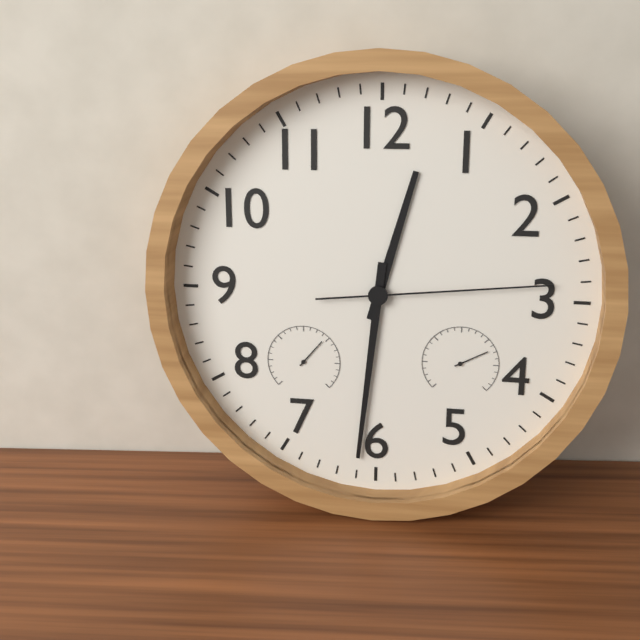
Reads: 12:31:14
